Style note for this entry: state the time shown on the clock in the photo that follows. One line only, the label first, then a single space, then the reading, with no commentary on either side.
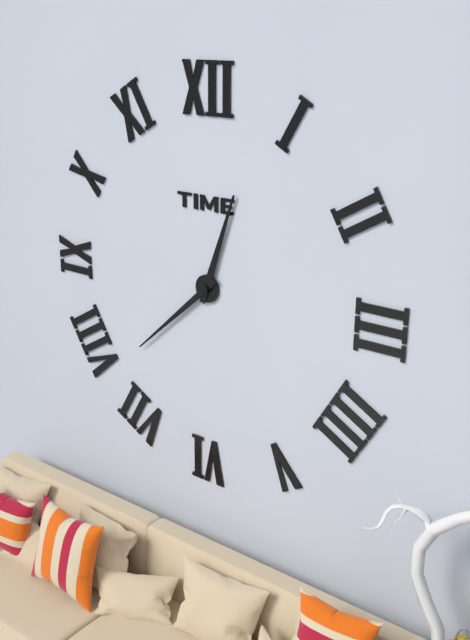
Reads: 12:38
